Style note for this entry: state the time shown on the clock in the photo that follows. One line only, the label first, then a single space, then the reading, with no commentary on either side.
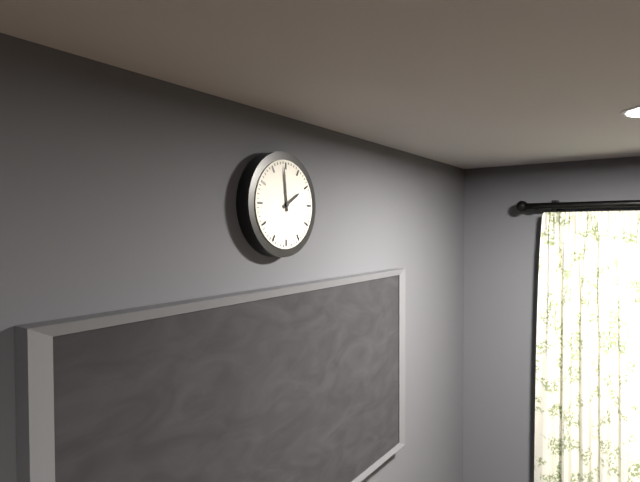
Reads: 1:59
